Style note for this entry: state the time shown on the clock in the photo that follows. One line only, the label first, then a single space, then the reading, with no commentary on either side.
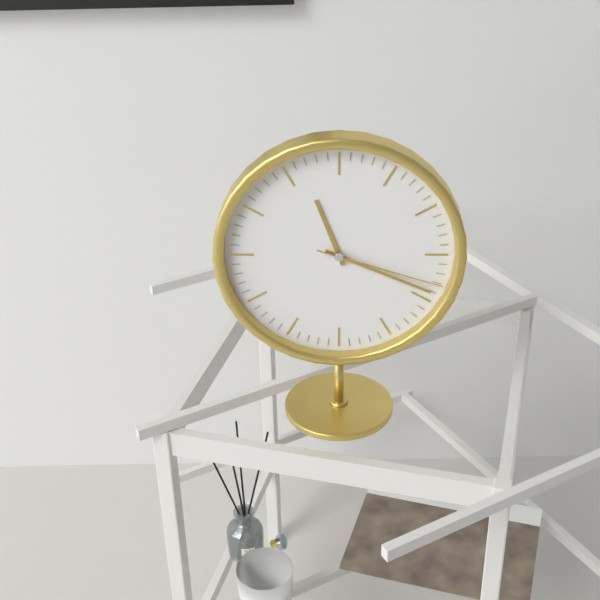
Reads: 11:19:18
